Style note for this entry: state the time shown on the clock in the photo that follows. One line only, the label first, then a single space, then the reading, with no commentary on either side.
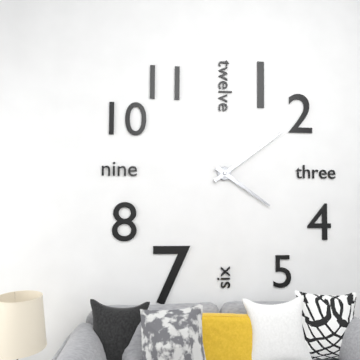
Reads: 4:09
